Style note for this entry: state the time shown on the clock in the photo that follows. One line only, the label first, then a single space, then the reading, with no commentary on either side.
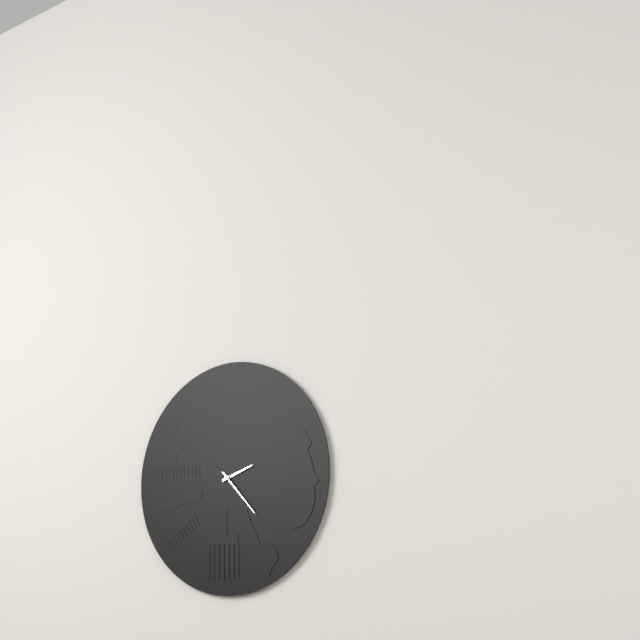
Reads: 2:23
